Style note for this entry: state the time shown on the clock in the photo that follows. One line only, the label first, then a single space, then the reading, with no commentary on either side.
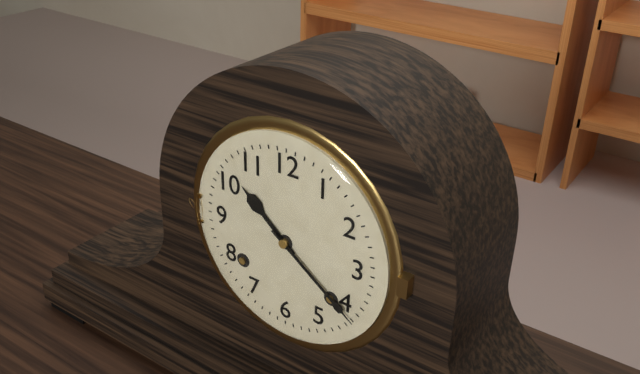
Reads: 10:21
